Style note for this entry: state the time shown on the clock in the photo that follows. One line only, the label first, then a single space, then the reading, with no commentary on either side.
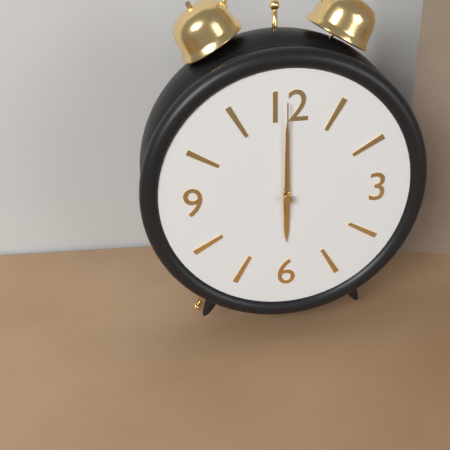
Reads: 6:00:00
